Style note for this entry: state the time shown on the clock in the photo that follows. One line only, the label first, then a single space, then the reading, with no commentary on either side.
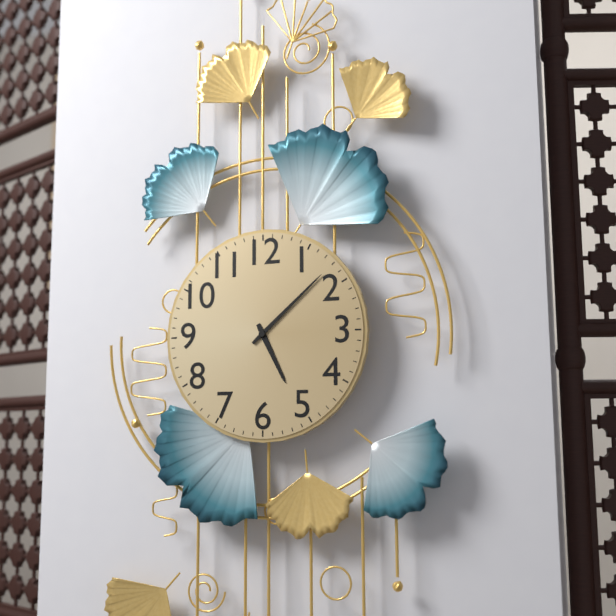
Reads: 5:08
